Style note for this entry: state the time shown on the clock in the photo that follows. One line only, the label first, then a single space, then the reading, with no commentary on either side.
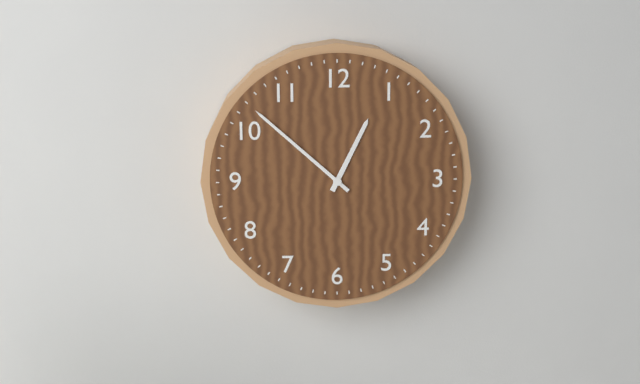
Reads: 12:52
